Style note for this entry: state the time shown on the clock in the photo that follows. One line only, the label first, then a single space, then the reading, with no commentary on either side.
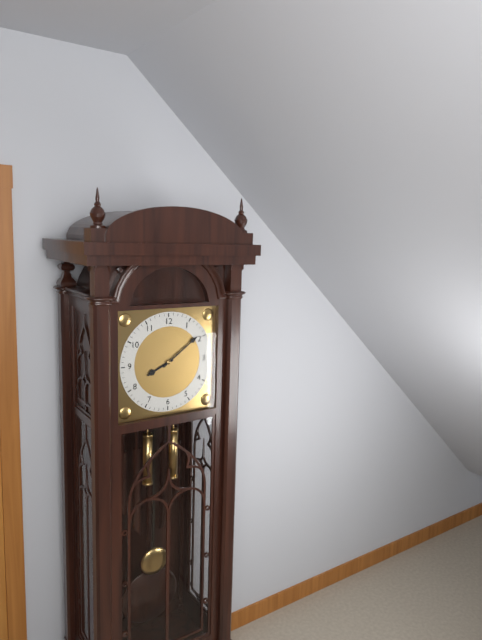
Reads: 8:09
